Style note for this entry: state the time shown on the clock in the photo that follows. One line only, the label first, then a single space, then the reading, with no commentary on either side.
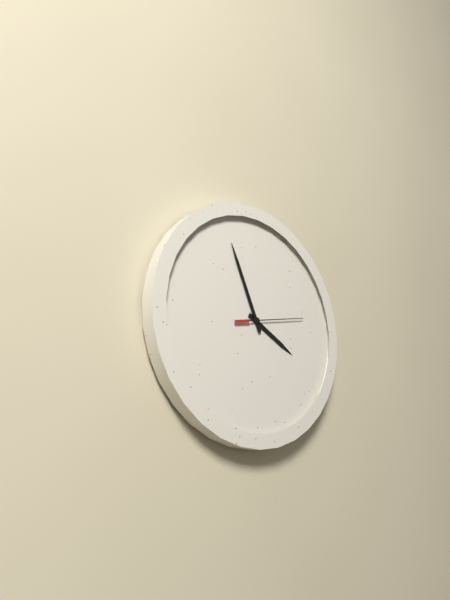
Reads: 3:56:13
